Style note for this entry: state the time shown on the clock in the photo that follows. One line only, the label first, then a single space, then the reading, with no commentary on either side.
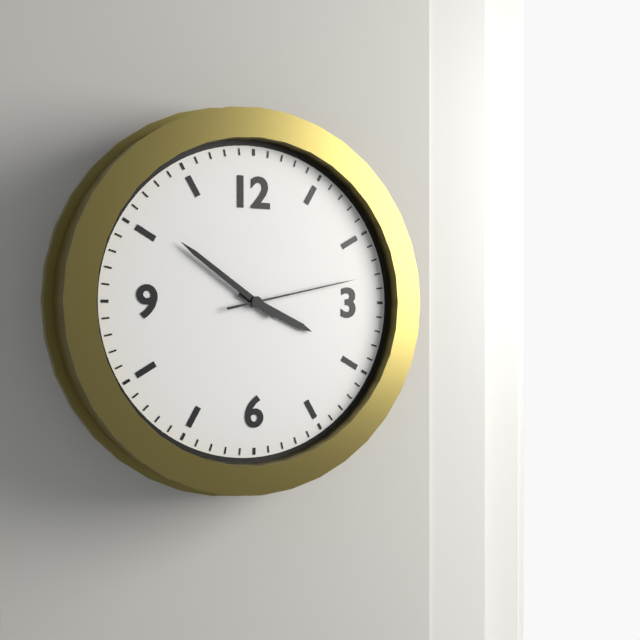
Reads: 3:51:13
